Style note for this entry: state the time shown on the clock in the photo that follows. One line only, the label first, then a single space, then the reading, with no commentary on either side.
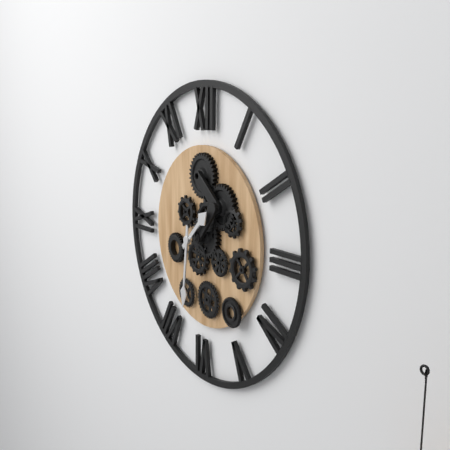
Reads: 1:31
